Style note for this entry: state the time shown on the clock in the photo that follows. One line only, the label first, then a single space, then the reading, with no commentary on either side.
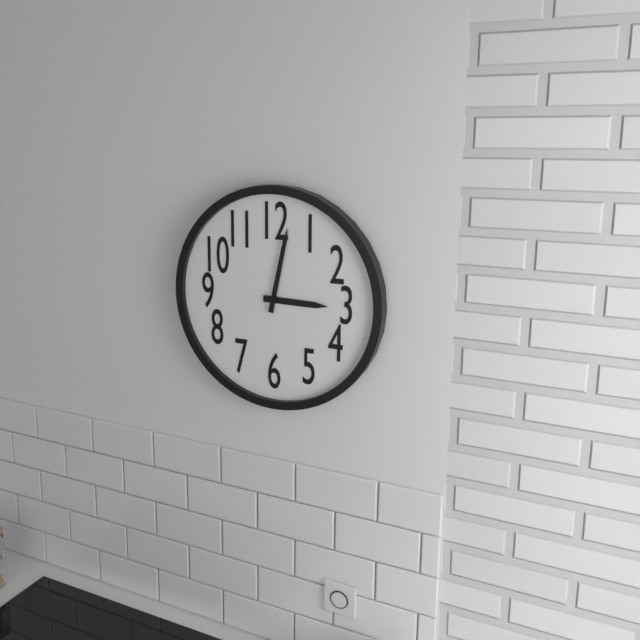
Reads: 3:02
